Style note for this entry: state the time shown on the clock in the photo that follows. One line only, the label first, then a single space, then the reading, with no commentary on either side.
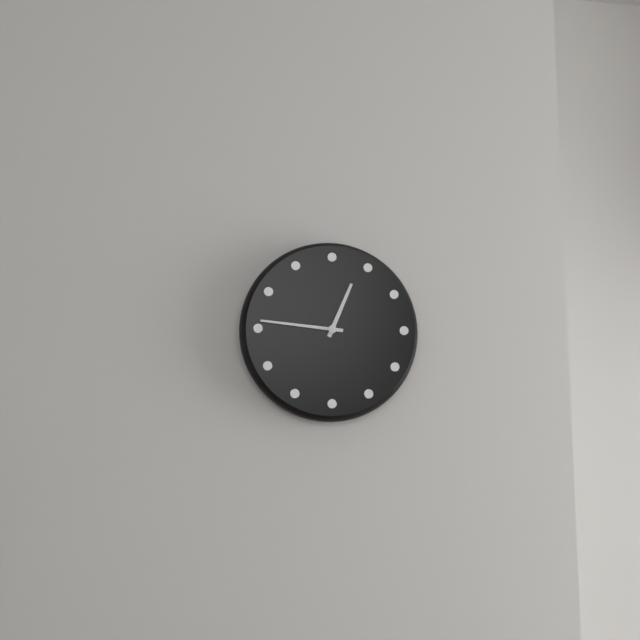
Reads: 12:46
